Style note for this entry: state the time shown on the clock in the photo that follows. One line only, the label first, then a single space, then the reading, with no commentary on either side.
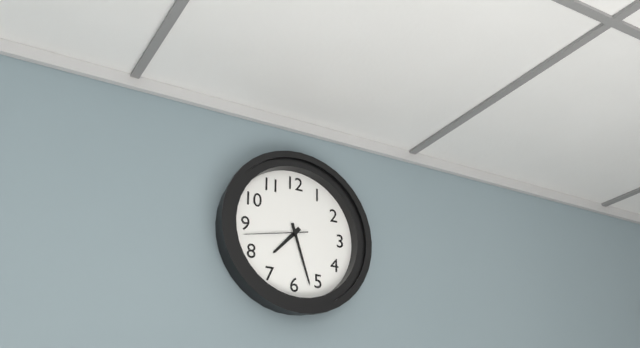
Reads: 7:27:43
